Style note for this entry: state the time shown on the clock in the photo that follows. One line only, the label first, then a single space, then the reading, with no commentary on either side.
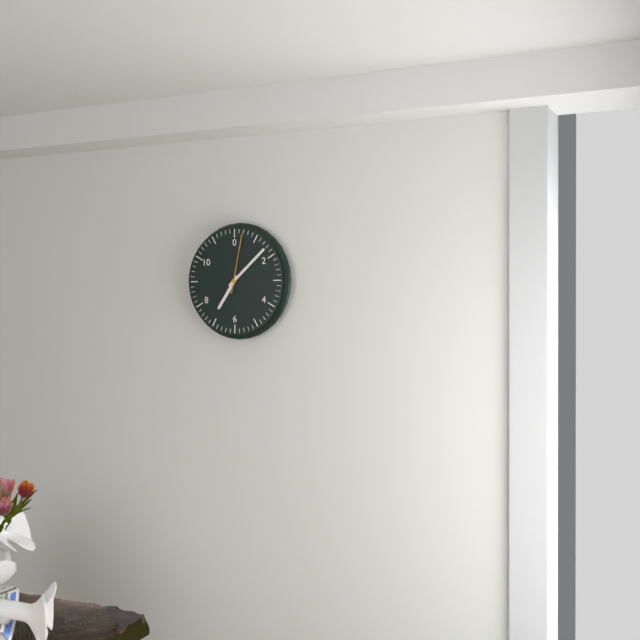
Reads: 7:08:02
